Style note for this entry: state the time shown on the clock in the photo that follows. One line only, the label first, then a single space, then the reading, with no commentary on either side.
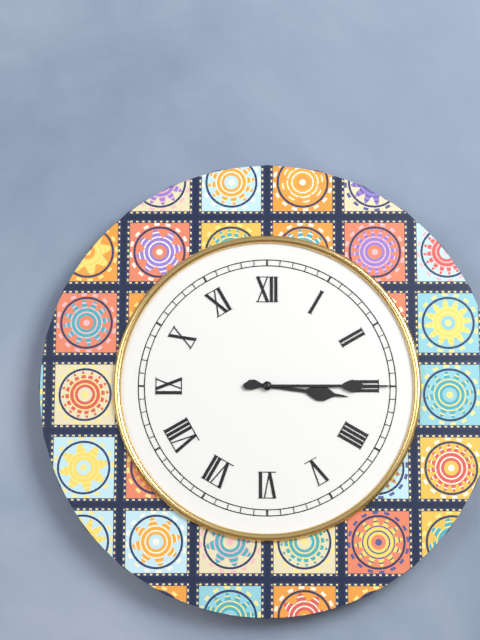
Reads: 3:15
